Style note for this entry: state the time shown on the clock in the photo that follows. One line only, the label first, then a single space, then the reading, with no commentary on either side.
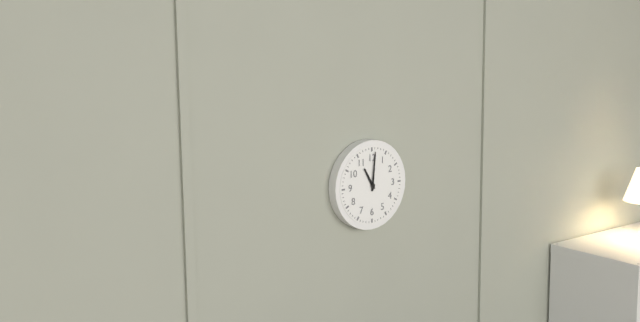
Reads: 11:01
